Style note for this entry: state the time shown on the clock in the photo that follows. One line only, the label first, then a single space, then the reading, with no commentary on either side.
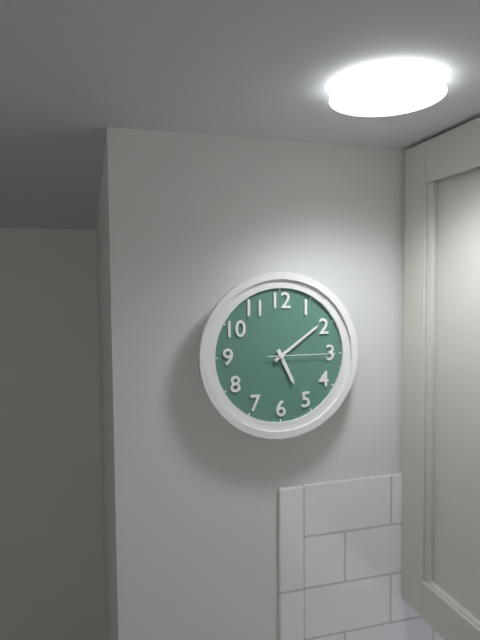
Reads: 5:09:15
